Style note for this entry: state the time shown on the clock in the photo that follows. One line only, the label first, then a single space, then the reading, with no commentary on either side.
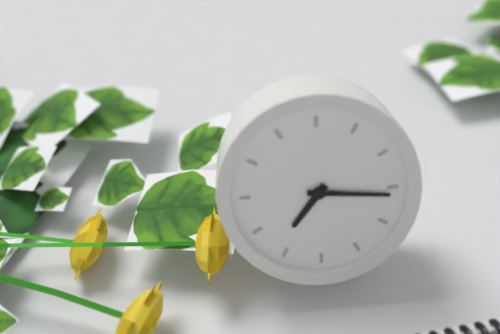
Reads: 7:16
